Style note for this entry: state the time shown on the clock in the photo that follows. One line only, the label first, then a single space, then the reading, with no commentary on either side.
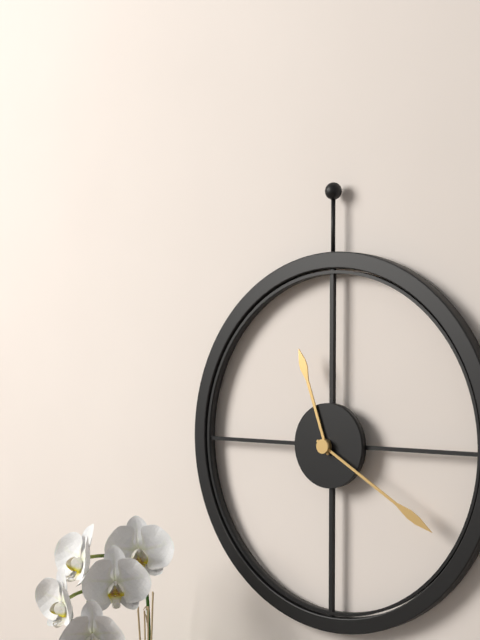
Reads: 11:20
